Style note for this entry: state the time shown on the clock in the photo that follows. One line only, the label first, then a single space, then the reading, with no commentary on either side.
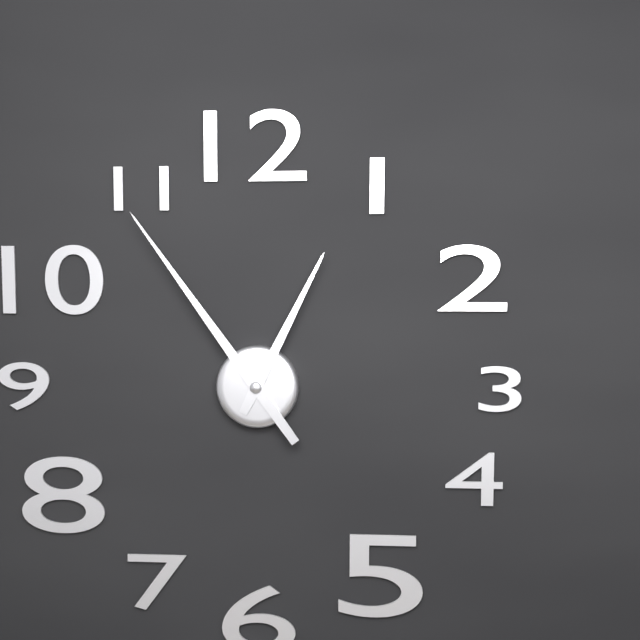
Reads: 12:54
